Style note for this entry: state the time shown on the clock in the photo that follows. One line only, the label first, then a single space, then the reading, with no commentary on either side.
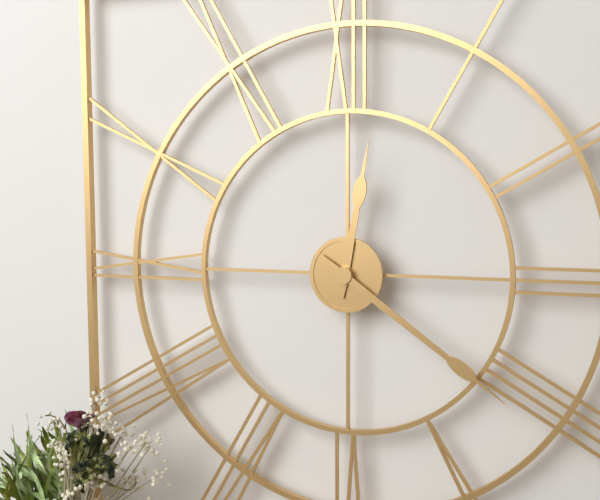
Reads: 12:21
